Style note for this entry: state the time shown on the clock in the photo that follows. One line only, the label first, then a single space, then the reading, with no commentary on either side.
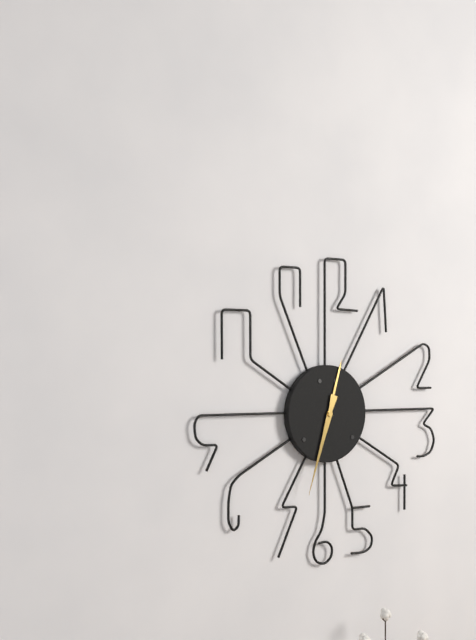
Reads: 12:33
